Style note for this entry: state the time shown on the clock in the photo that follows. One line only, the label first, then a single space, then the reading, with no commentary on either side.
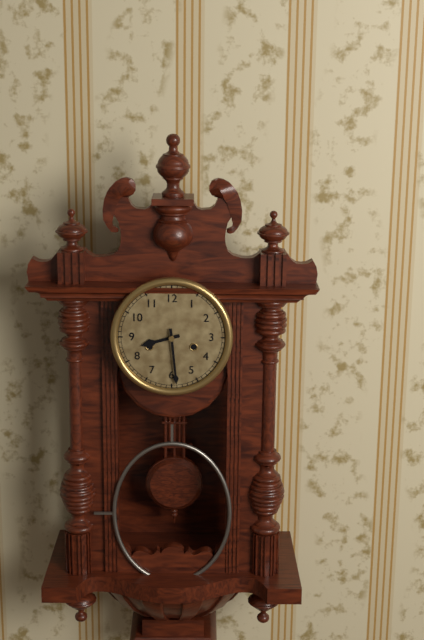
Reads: 8:29
